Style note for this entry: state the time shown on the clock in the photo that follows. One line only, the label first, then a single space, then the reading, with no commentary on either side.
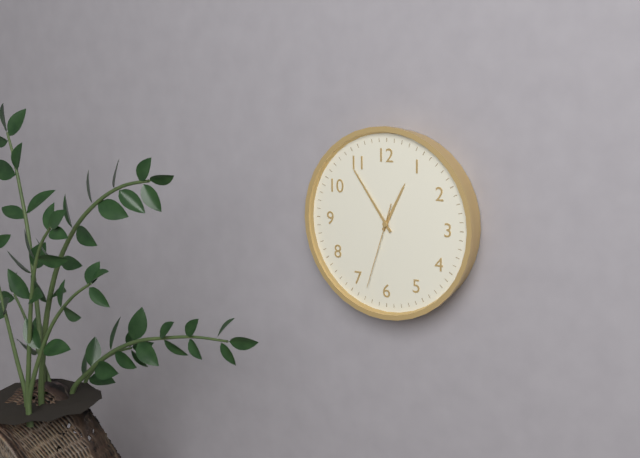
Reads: 12:54:33
